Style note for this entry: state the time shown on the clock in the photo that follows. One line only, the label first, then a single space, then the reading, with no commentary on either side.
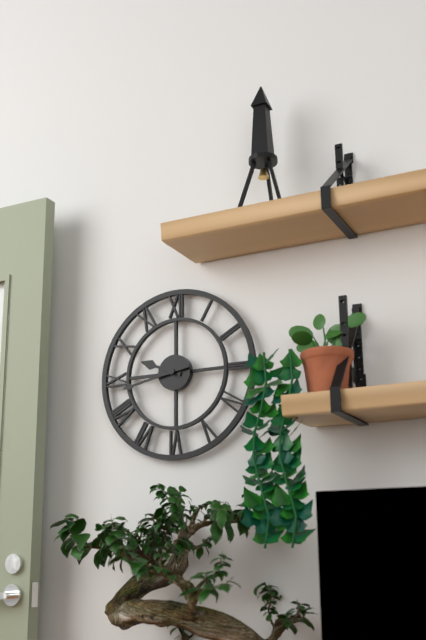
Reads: 9:43
